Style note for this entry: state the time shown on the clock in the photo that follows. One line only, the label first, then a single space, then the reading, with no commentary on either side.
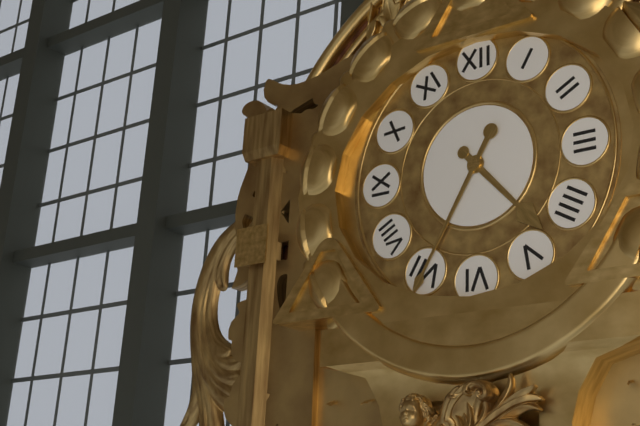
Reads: 4:35
